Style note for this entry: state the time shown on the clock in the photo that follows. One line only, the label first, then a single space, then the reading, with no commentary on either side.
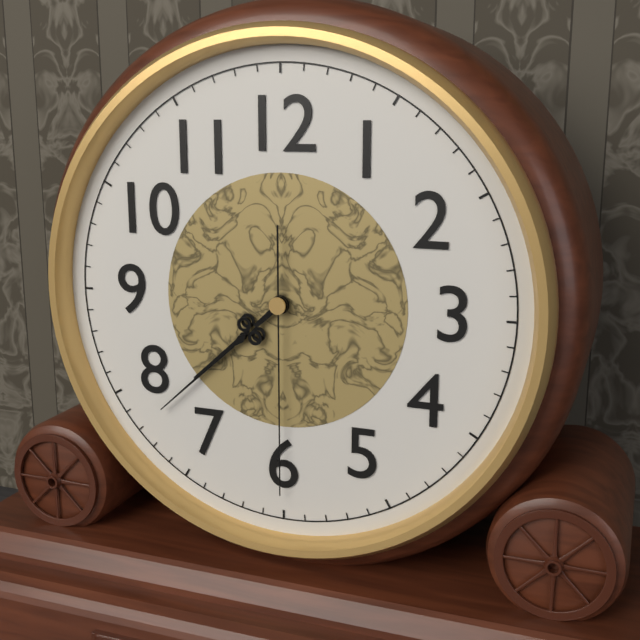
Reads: 7:38:30
